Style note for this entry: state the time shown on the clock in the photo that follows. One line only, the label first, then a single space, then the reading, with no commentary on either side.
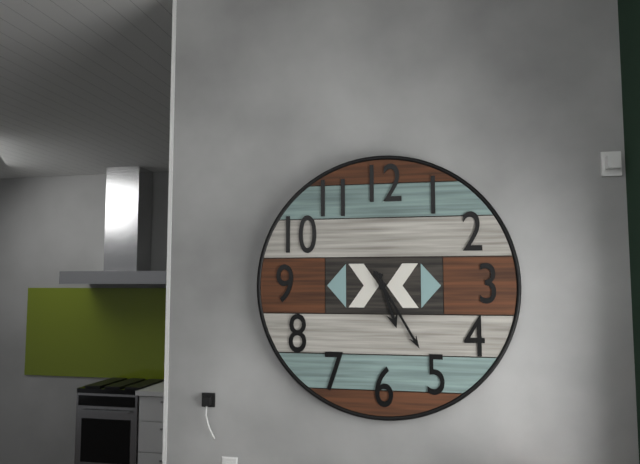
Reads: 5:25
